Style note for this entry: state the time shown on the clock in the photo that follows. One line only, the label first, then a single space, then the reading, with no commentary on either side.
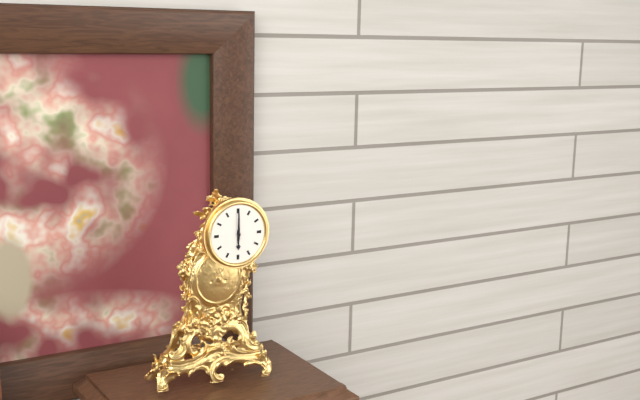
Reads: 6:00
